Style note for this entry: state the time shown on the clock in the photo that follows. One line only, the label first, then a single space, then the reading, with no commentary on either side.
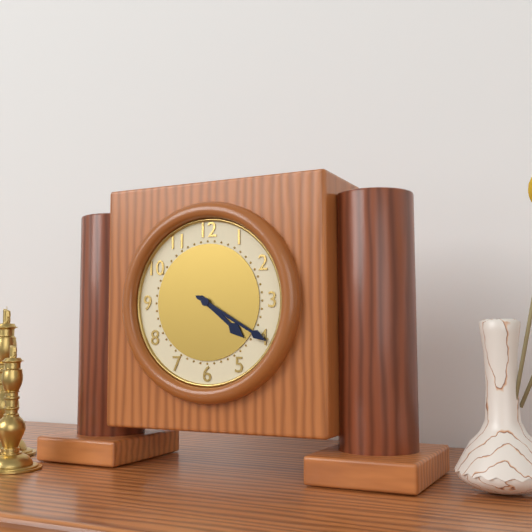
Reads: 4:20
